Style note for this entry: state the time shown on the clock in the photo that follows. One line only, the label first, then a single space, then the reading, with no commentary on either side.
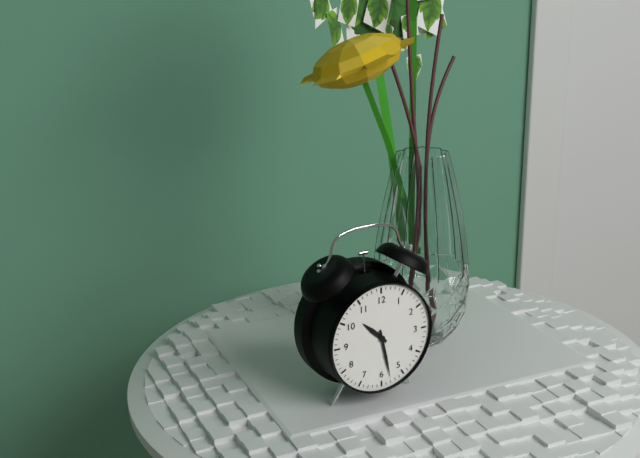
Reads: 10:28
